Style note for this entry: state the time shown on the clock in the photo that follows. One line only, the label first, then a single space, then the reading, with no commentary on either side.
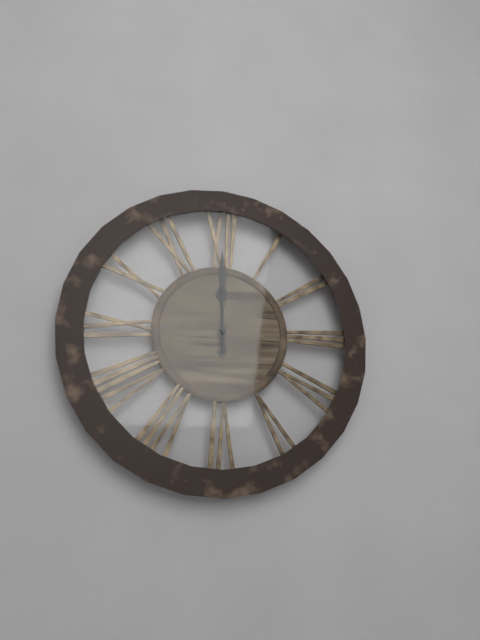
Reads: 12:00
